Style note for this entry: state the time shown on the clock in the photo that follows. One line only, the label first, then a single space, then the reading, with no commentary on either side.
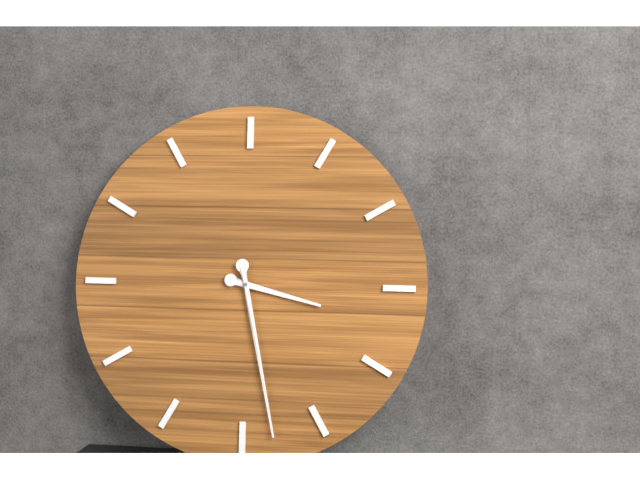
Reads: 3:28
